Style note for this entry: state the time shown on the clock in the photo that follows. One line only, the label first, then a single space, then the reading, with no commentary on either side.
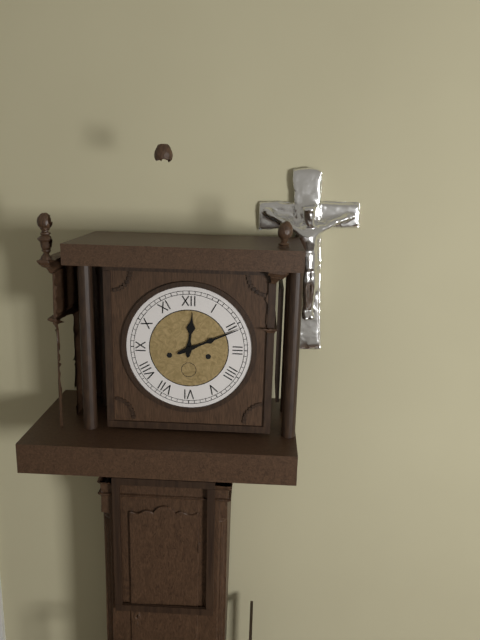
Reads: 12:11
